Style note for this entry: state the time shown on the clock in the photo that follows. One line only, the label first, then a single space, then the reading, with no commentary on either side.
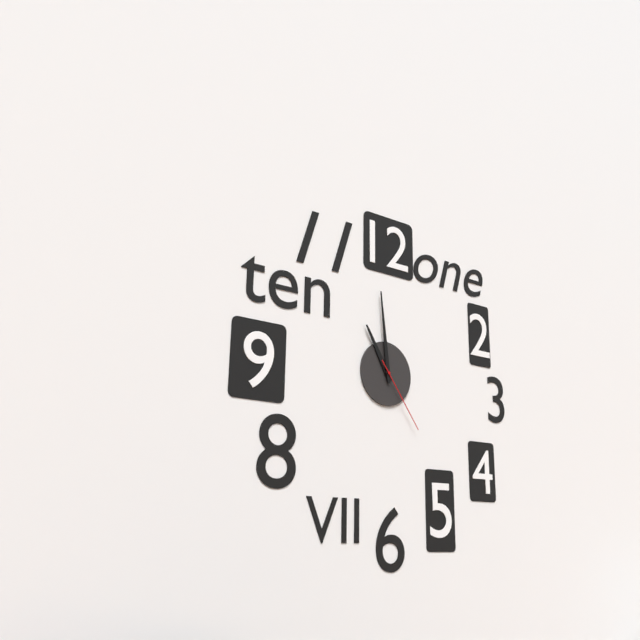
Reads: 10:59:24
